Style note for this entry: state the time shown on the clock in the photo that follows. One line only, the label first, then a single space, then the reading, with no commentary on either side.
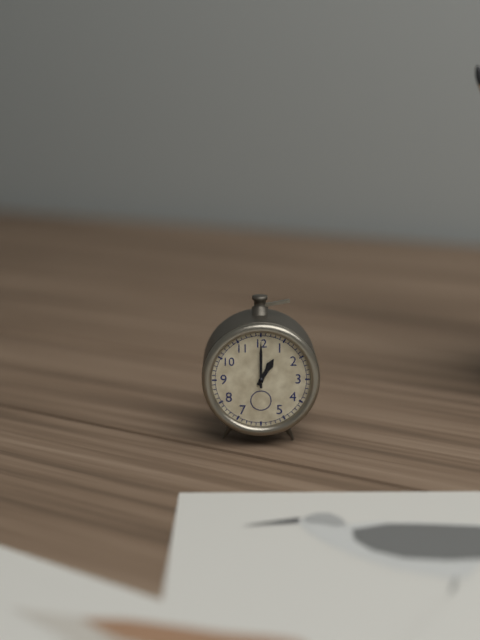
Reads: 1:00
